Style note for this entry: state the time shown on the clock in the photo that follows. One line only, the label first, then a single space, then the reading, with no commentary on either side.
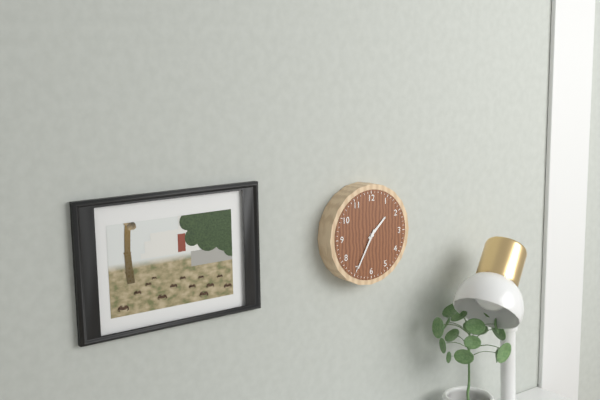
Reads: 1:35
